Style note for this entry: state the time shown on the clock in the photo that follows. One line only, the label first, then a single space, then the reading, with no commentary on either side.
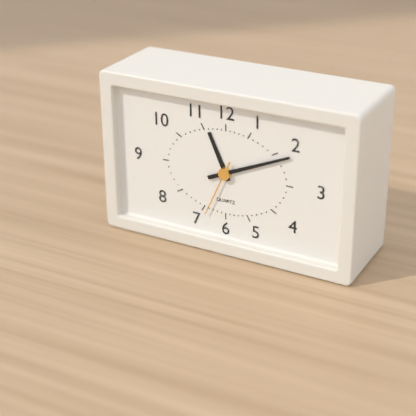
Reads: 11:11:34
